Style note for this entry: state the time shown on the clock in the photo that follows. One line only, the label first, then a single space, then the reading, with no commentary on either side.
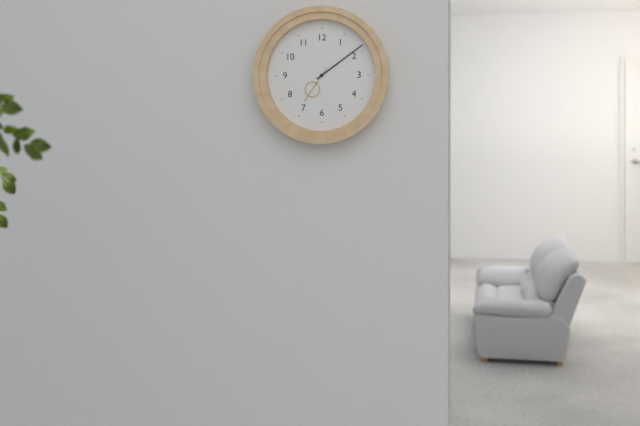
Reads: 7:09
